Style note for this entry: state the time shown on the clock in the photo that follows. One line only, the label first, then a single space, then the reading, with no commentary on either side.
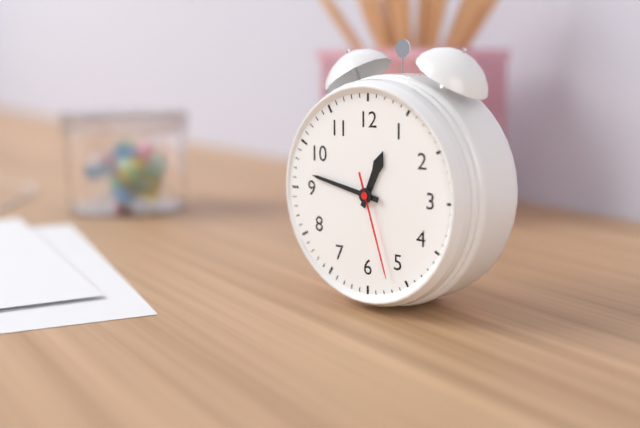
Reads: 12:47:27
